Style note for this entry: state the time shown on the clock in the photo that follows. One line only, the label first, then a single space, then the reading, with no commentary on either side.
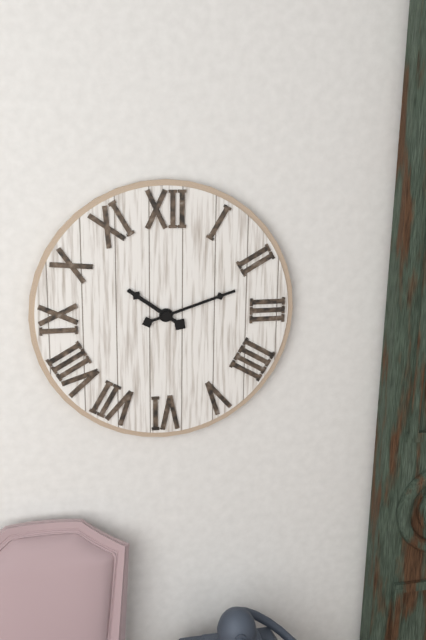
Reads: 10:12
